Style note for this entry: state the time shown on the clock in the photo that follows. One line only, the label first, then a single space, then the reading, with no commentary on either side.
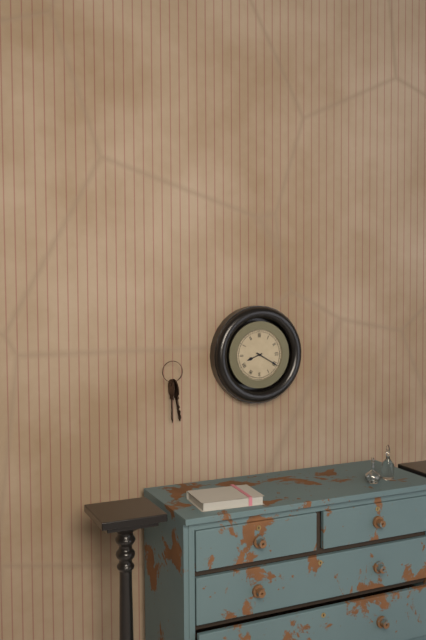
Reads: 8:20
